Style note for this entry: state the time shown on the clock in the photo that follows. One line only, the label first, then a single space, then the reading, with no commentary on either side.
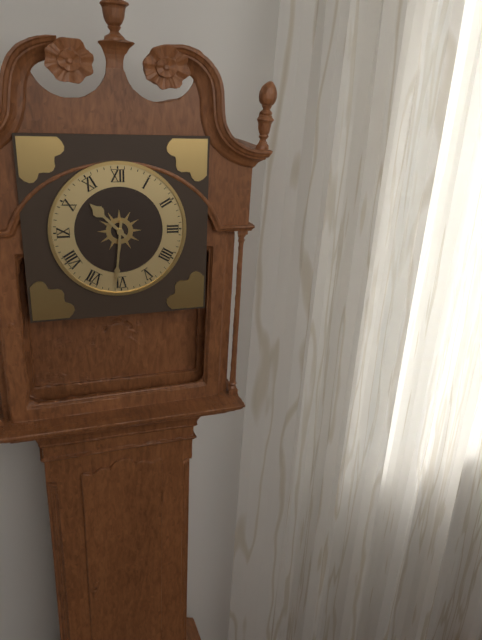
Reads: 10:31
